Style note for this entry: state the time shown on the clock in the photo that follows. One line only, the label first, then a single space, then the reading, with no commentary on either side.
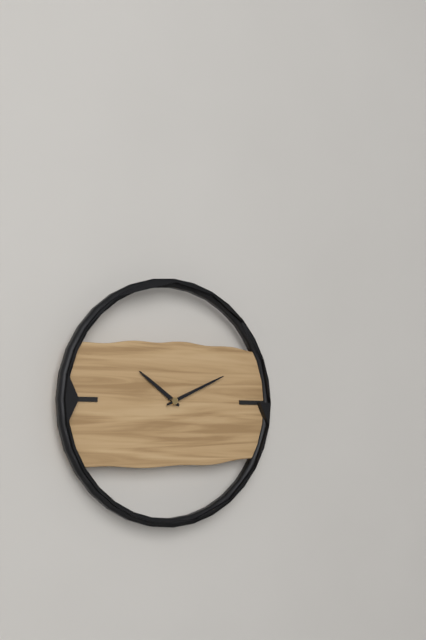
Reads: 10:11
